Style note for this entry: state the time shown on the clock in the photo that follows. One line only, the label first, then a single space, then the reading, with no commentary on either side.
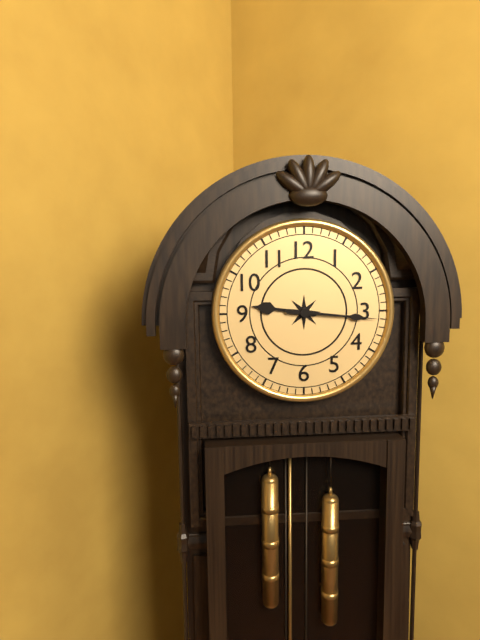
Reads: 9:16
